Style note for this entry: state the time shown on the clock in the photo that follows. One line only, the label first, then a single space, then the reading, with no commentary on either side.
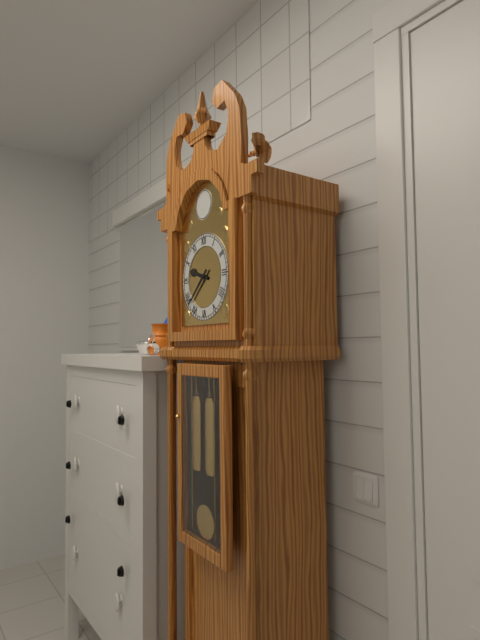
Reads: 9:38
